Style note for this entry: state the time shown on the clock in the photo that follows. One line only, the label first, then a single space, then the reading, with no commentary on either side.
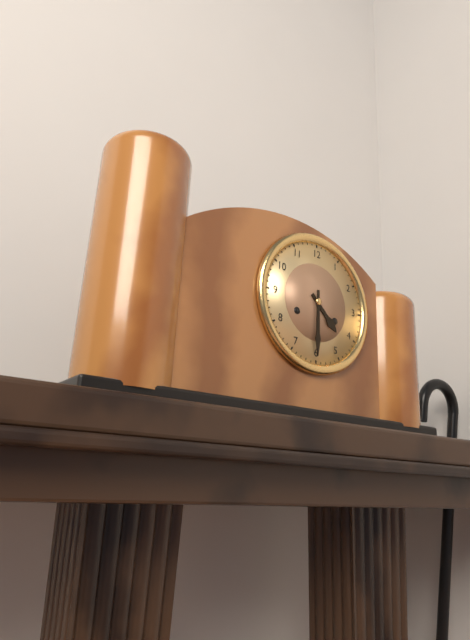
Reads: 4:30
